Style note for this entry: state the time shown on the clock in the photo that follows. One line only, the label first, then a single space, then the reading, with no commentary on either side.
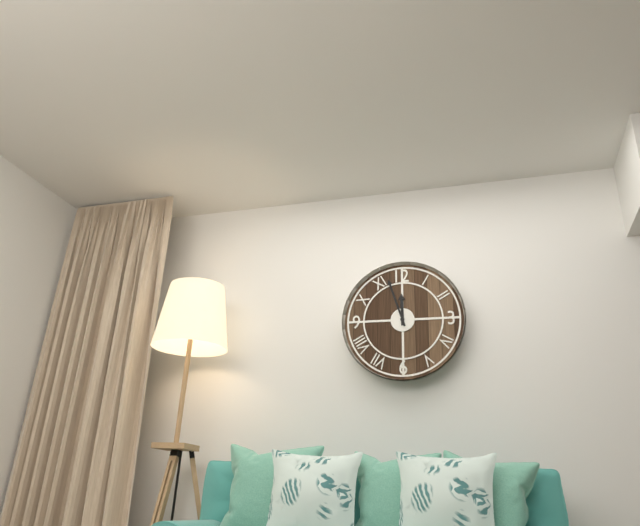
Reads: 11:57
